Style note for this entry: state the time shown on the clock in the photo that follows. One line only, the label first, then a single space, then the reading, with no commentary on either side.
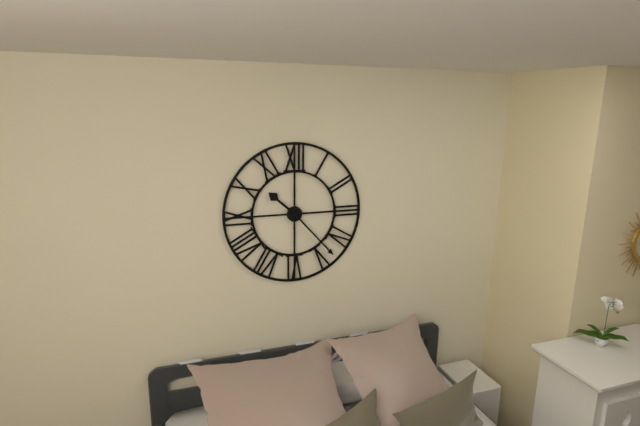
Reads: 10:23
